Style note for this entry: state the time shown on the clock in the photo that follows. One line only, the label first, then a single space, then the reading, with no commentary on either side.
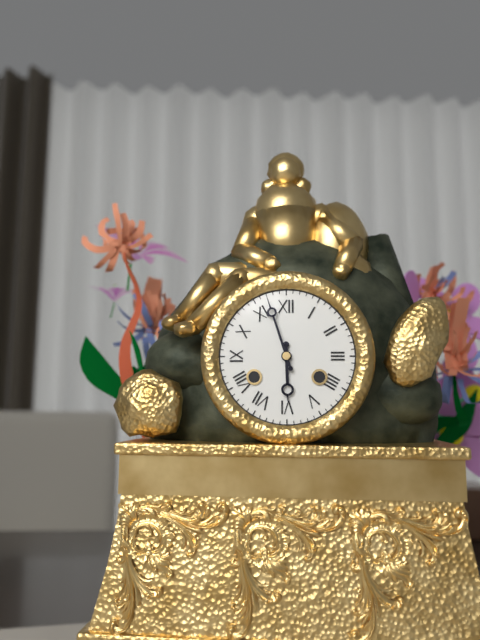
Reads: 5:57
